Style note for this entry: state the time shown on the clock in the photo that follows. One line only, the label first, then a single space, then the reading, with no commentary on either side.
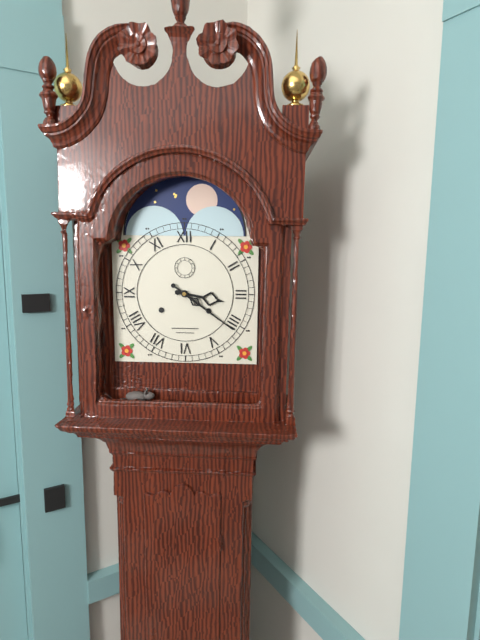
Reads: 3:21
